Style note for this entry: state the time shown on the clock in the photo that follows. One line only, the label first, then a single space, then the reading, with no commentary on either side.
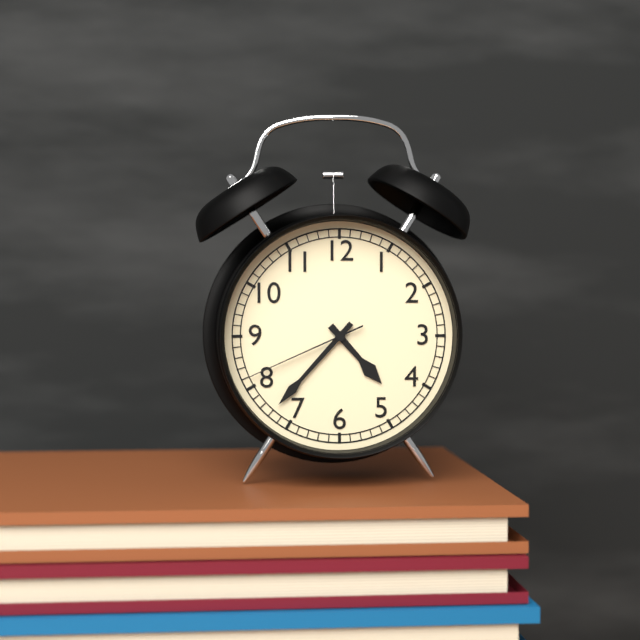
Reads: 4:37:41
